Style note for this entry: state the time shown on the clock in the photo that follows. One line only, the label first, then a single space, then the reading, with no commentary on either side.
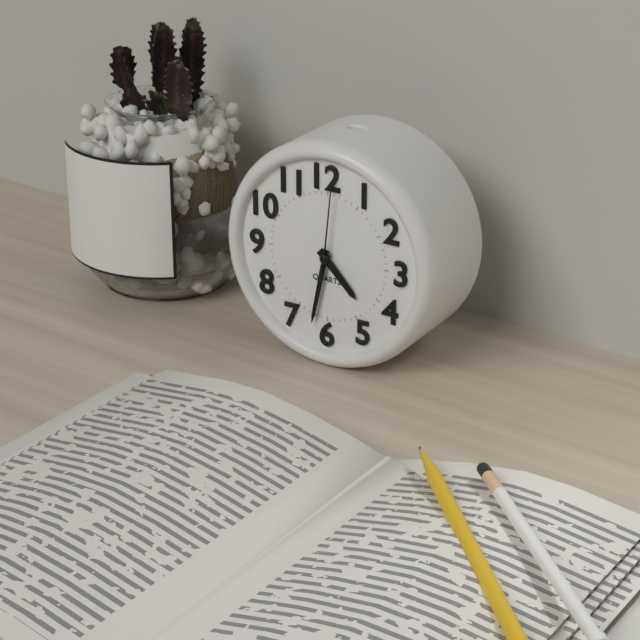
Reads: 4:32:01
